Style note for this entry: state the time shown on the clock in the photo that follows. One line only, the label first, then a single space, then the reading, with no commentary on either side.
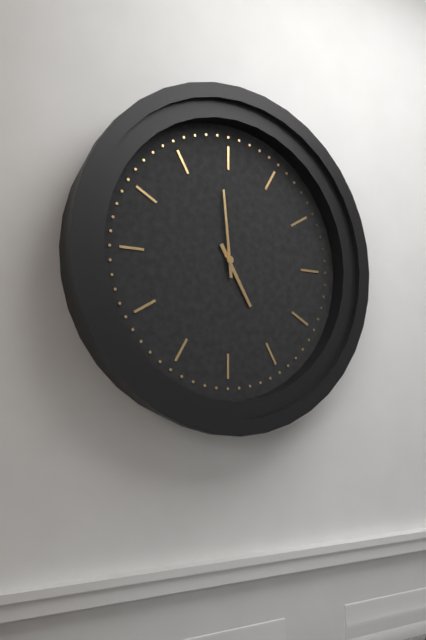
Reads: 4:59
